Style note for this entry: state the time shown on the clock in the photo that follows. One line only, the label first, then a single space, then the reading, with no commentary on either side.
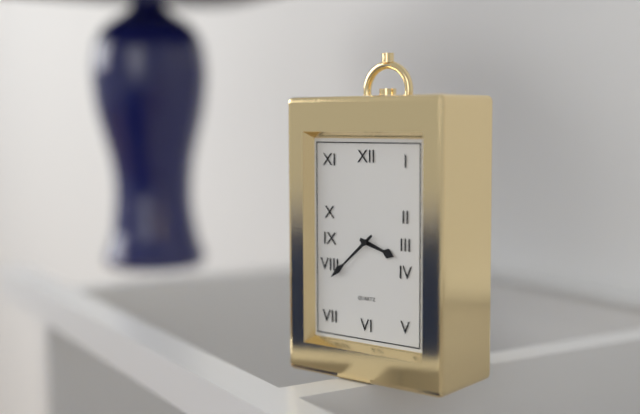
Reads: 3:38
